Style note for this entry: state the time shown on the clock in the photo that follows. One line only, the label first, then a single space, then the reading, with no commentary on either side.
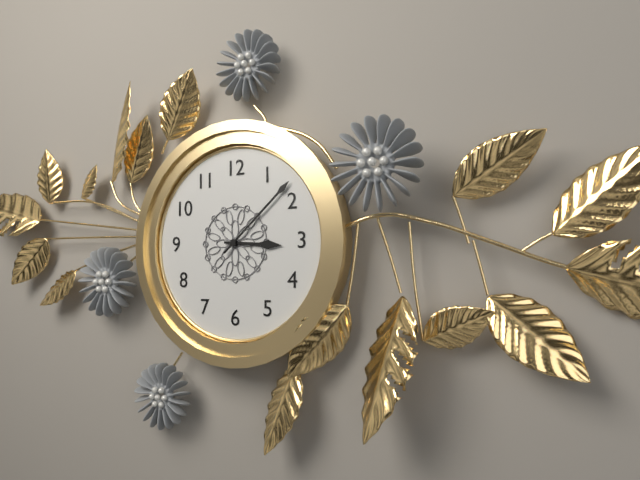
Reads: 3:08
